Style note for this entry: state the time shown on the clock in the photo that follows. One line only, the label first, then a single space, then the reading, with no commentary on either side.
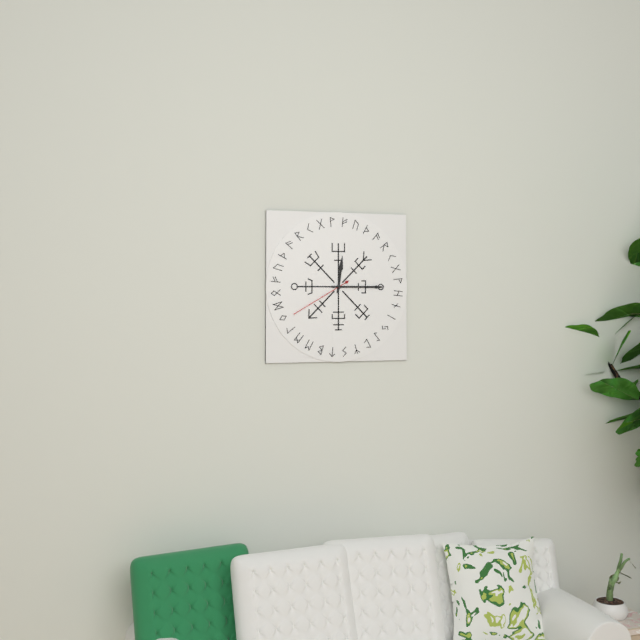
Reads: 12:15:40
